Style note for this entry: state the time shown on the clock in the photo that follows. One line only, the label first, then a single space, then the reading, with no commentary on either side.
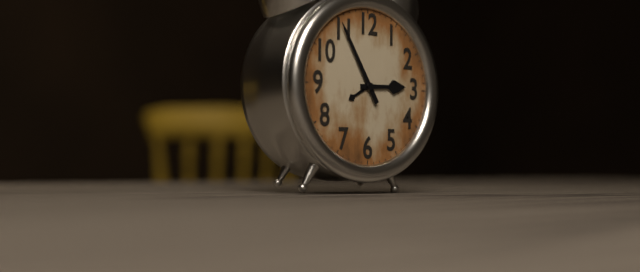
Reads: 2:55
